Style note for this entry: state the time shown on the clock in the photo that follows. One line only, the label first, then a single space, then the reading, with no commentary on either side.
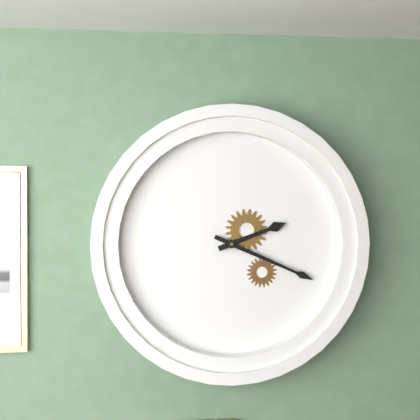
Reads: 2:19
